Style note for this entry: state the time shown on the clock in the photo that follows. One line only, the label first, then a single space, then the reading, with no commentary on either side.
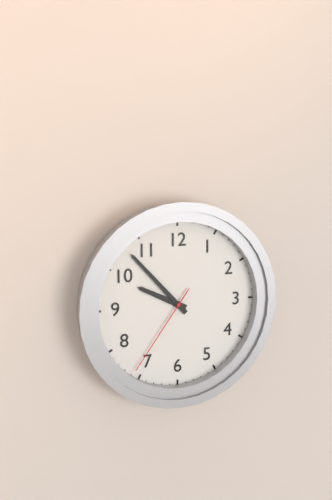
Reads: 9:53:36
